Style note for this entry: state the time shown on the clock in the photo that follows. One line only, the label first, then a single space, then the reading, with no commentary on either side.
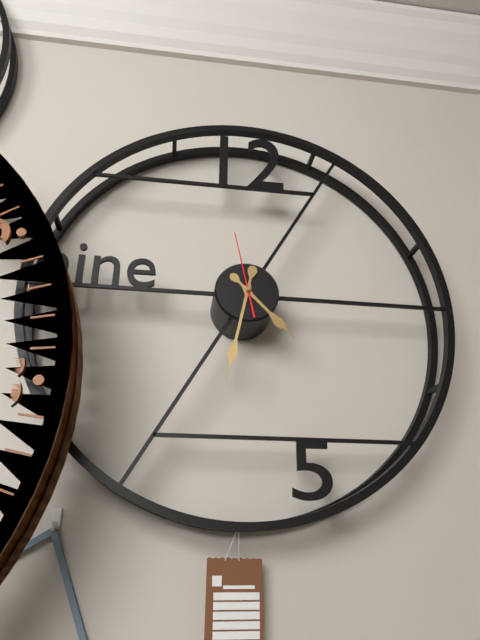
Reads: 4:32:58
